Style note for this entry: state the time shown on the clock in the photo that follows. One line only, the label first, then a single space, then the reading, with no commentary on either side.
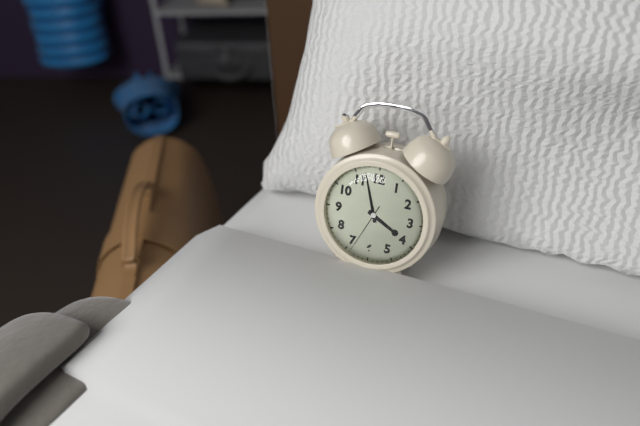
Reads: 3:57:34
